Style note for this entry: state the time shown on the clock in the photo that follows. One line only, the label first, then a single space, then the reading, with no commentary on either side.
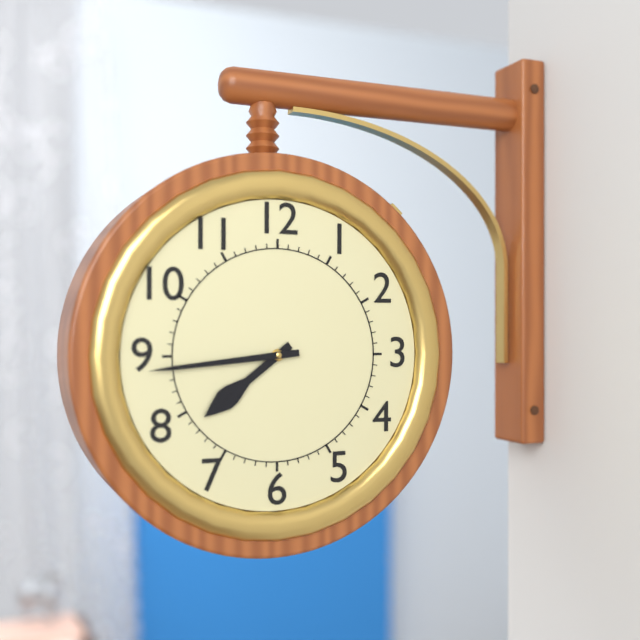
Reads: 7:44
